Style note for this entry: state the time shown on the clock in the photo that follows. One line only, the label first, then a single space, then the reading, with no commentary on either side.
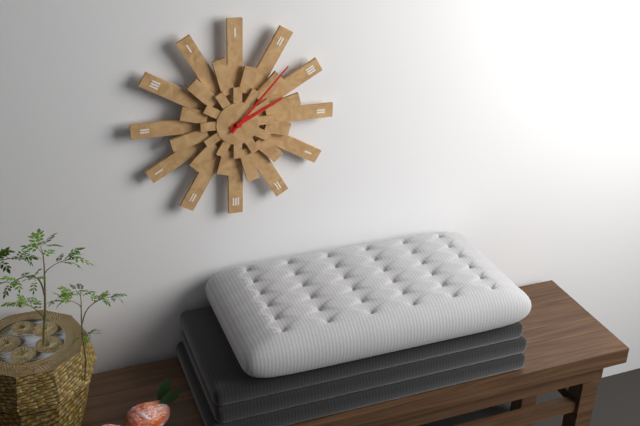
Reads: 2:07
